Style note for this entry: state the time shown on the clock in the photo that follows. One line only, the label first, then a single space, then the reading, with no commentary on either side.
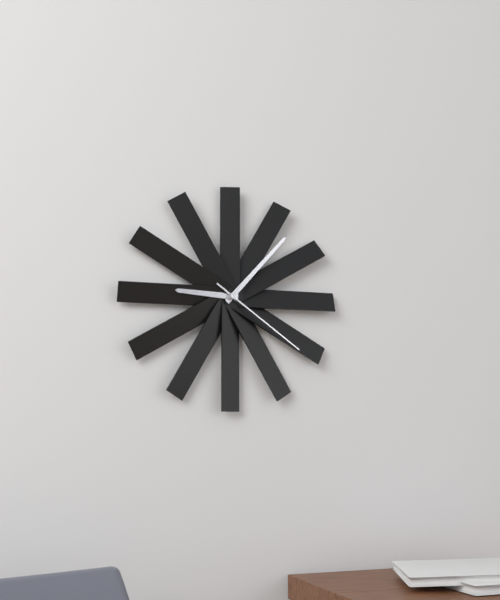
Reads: 9:07:21
